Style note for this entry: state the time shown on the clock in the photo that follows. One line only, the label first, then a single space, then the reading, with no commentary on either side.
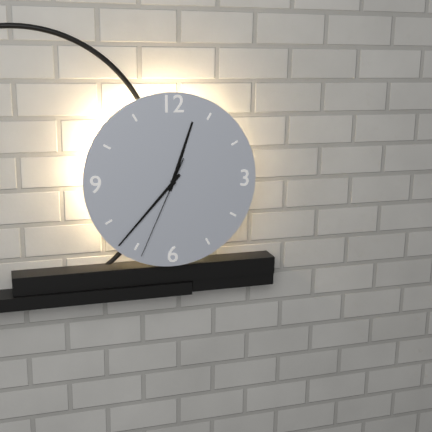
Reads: 12:37:34
